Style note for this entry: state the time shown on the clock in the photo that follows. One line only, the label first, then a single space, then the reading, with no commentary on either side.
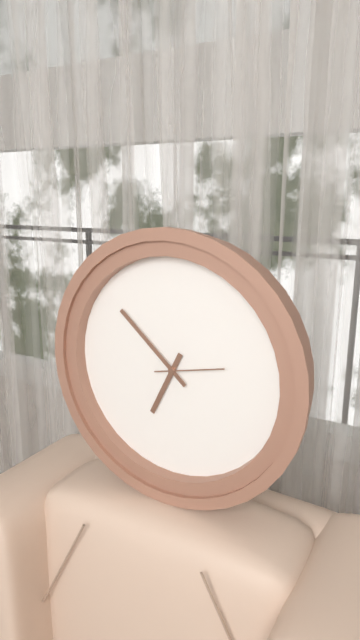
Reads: 6:52:13
